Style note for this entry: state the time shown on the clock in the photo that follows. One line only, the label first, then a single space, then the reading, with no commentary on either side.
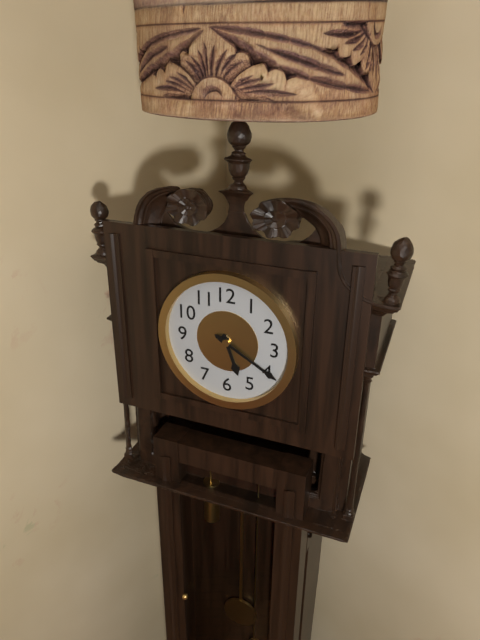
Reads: 5:20
